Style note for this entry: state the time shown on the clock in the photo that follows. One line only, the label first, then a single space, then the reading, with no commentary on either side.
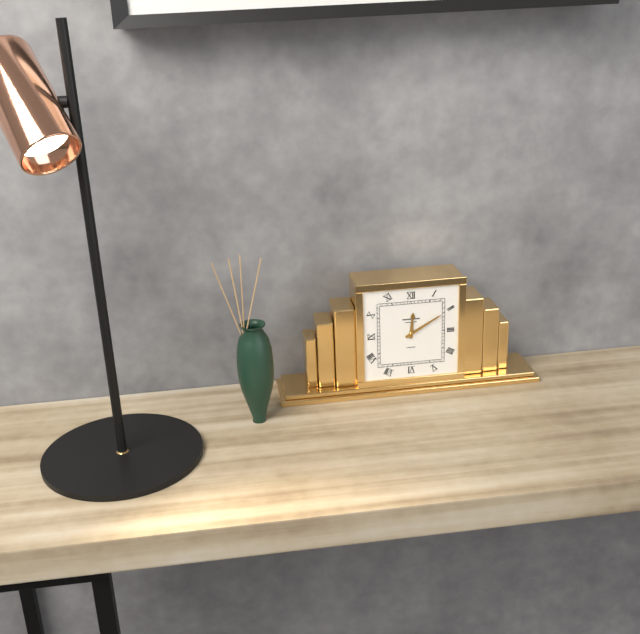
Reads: 12:10
